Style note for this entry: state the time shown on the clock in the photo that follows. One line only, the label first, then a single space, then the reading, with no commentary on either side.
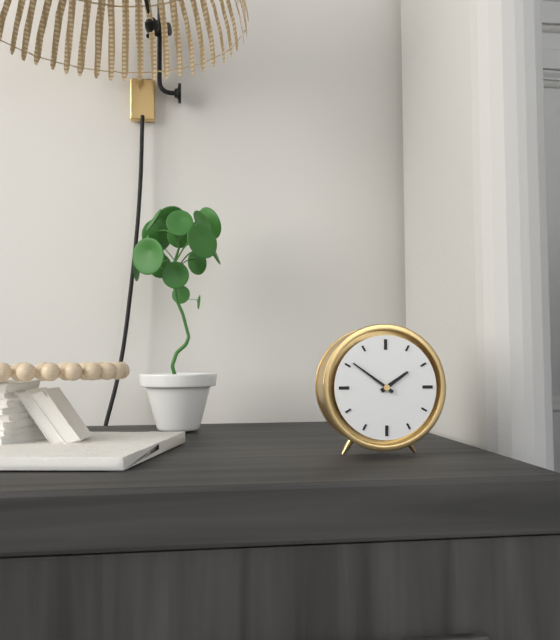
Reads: 1:51
